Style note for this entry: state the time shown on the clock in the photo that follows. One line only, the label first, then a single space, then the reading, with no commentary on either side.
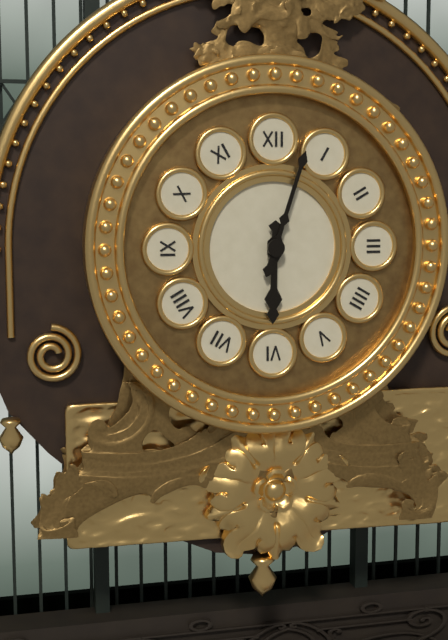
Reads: 6:03
